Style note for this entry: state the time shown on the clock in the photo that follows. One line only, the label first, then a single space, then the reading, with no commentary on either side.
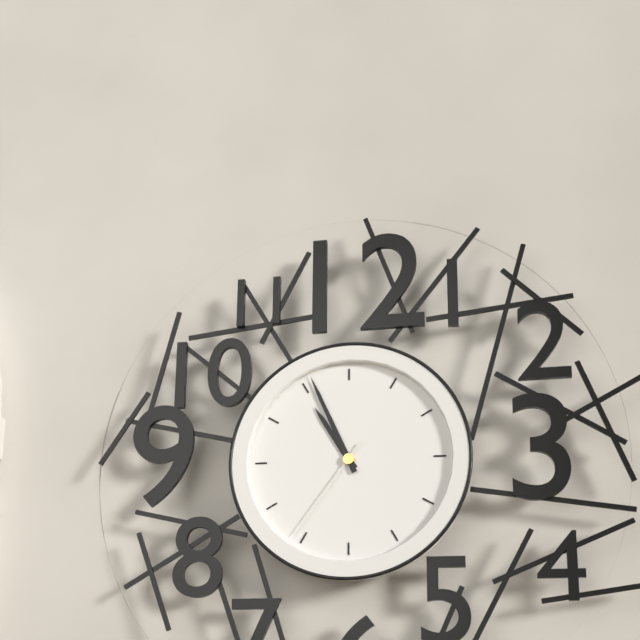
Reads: 10:56:36
